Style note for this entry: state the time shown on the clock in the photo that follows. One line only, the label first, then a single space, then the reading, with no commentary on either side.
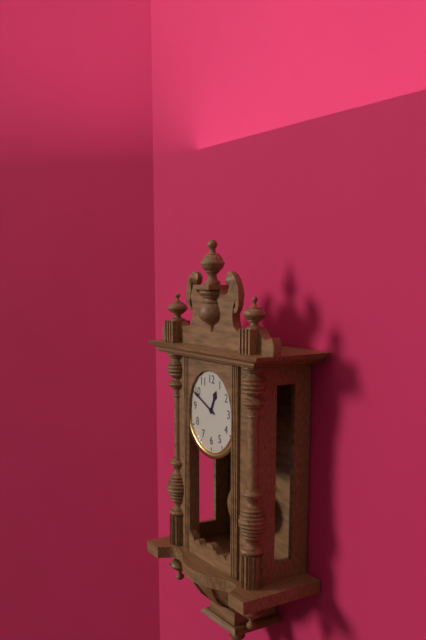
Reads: 12:49
